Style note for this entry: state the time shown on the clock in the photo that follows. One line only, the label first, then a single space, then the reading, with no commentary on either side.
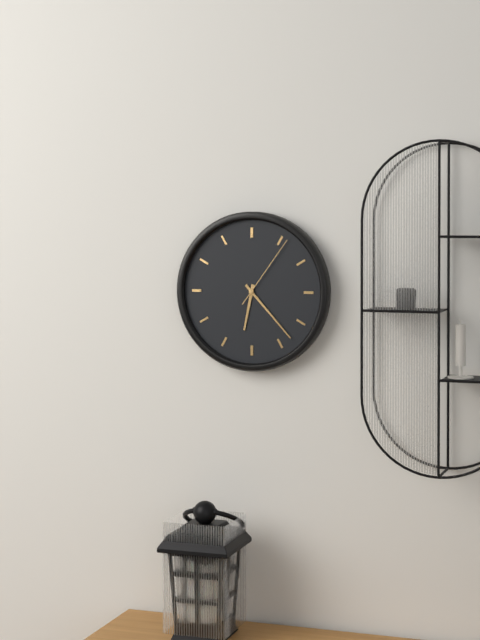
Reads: 6:23:06
